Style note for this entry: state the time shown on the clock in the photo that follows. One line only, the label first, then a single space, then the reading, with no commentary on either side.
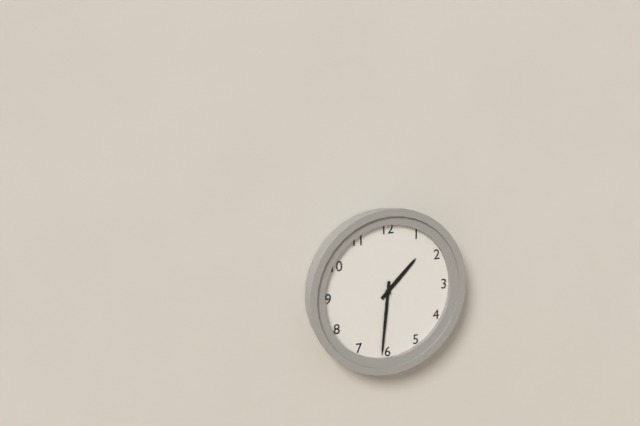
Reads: 1:31
